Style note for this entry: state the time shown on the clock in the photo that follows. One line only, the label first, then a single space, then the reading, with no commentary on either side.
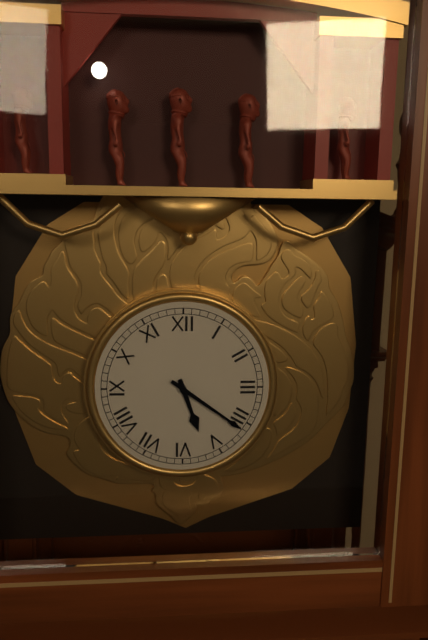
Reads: 5:21
